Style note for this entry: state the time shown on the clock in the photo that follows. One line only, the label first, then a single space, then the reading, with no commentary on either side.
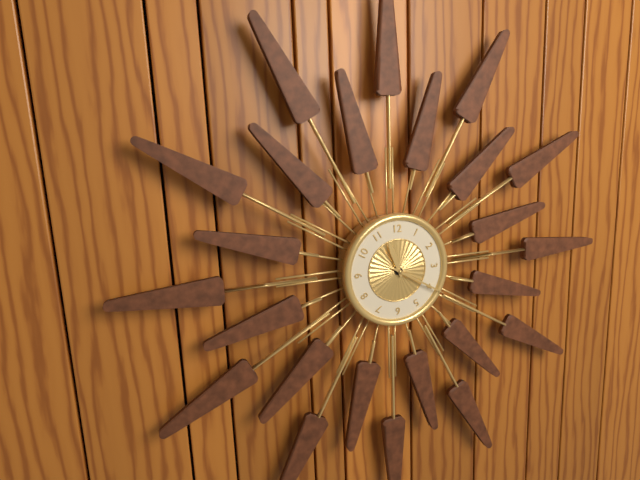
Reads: 11:20
